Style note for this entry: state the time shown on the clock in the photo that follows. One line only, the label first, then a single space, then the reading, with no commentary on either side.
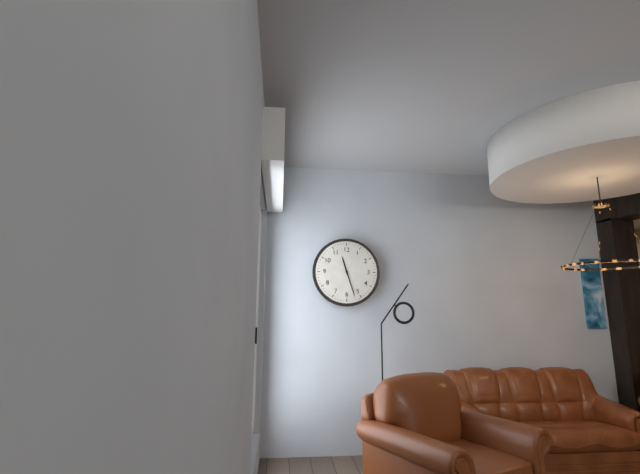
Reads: 11:27
